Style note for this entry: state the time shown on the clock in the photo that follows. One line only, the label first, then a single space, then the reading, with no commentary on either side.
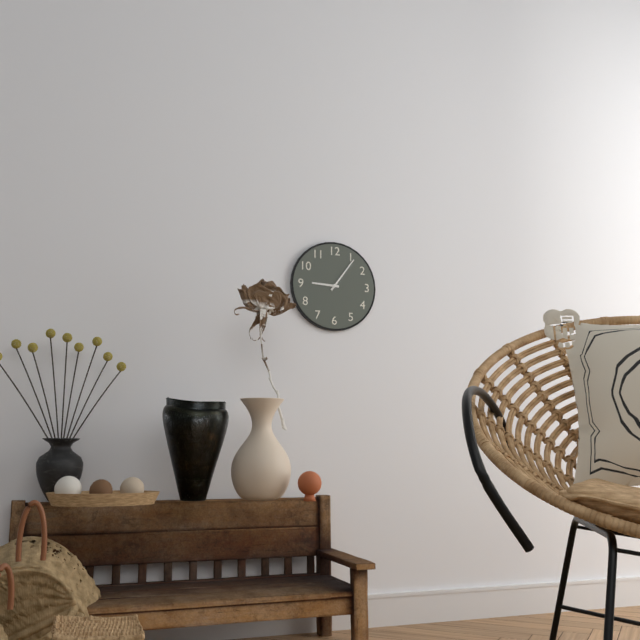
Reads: 9:06
